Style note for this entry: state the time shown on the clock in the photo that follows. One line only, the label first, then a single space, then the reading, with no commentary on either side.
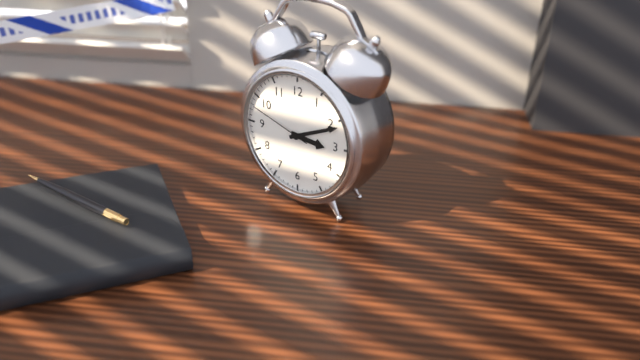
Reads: 3:11:48
